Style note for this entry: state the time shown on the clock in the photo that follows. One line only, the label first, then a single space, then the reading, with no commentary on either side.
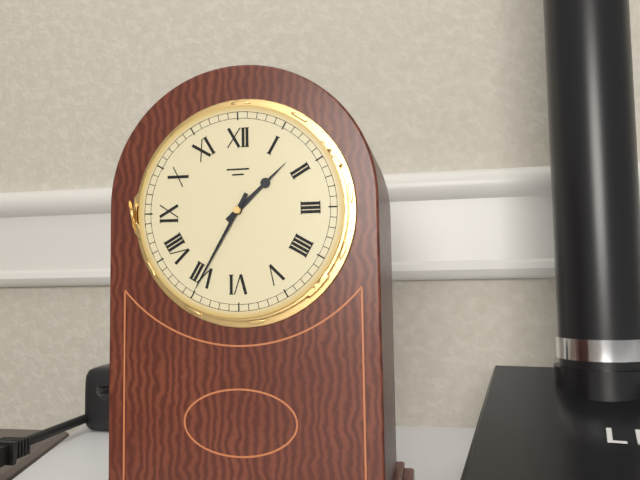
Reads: 1:35
